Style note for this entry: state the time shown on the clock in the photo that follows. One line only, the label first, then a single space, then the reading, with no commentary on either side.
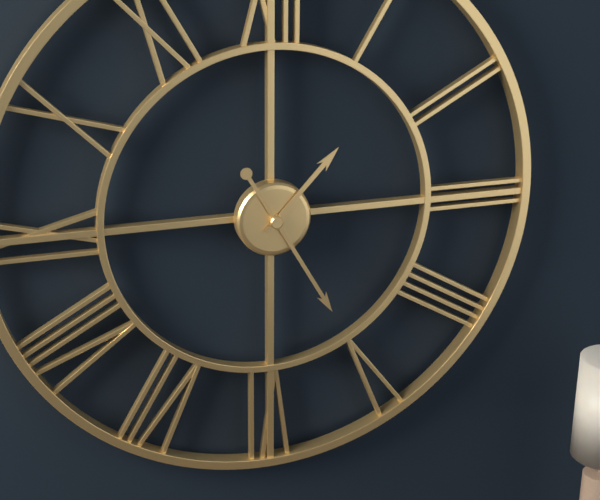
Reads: 1:25
